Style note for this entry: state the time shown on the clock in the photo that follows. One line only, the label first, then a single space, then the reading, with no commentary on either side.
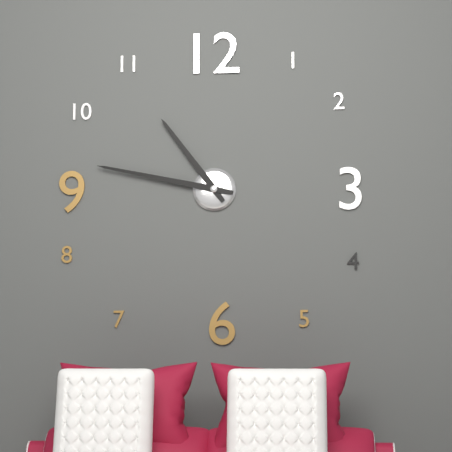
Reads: 10:47
